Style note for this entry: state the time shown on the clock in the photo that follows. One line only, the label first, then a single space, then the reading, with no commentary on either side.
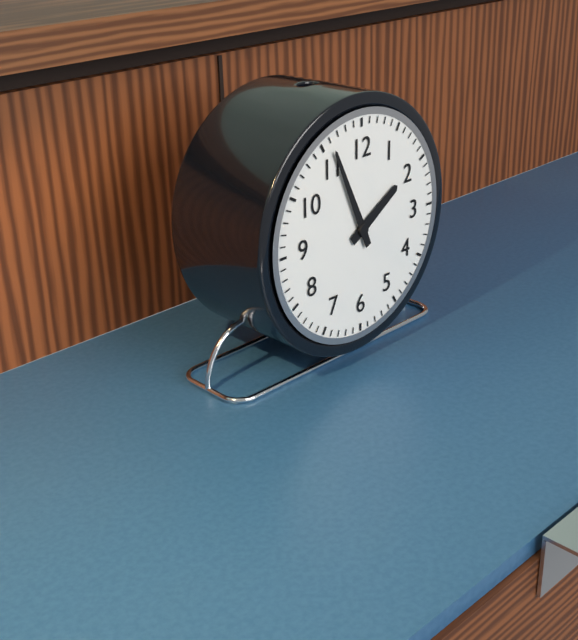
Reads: 1:56
